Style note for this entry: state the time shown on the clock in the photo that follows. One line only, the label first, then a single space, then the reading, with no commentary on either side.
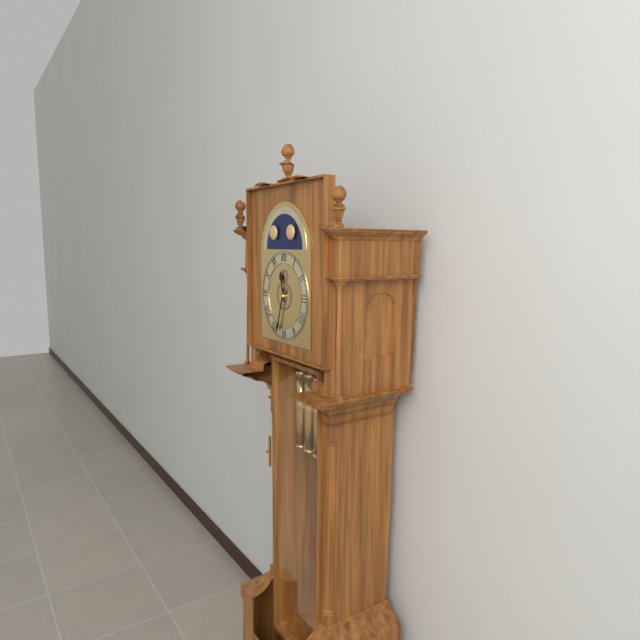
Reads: 11:33
